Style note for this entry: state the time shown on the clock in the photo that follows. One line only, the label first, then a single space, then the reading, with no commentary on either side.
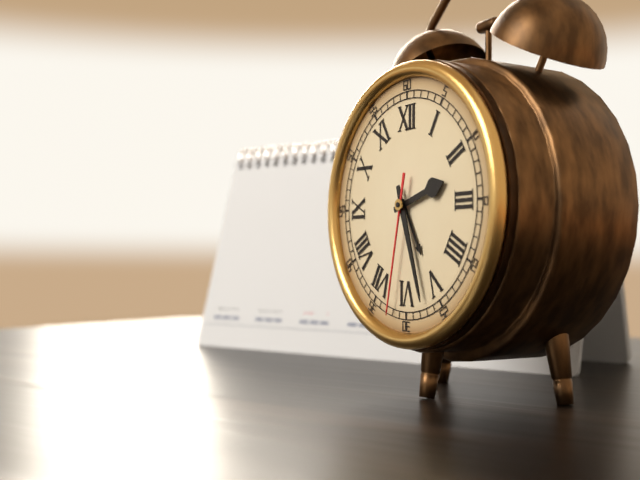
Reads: 2:27:32
